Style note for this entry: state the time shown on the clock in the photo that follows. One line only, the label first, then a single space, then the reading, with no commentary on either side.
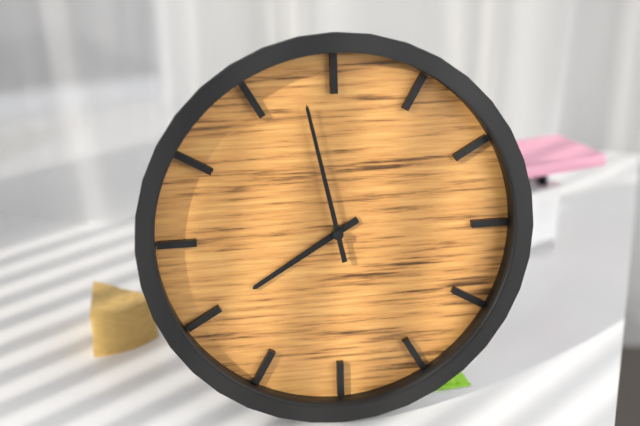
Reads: 7:58
